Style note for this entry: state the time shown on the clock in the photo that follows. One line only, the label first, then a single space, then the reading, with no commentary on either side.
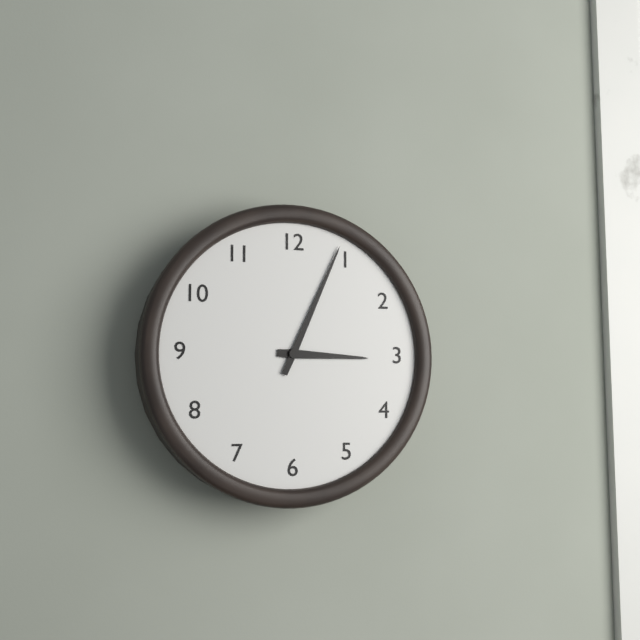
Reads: 3:04
